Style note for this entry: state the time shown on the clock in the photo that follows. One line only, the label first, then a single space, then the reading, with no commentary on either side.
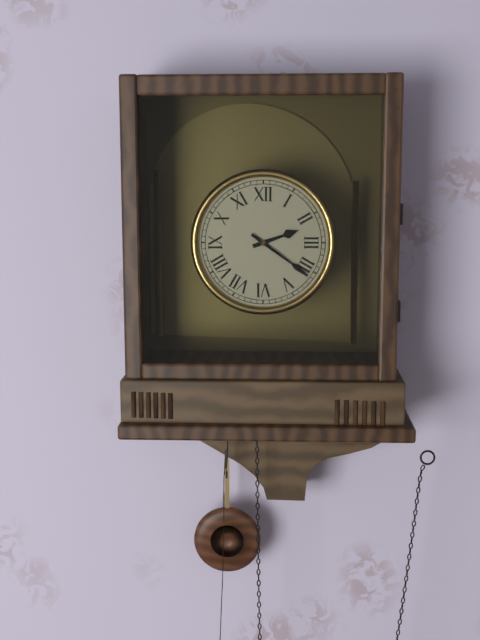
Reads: 2:21
